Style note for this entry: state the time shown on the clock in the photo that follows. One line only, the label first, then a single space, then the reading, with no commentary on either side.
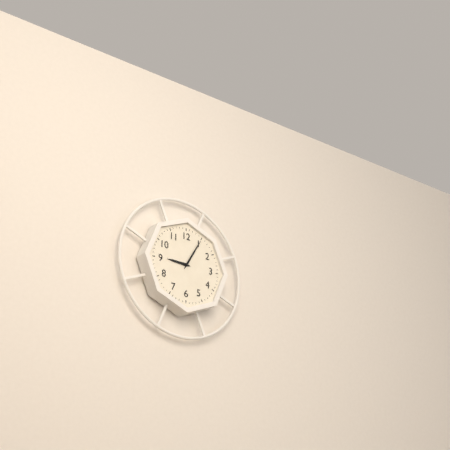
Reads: 9:05
